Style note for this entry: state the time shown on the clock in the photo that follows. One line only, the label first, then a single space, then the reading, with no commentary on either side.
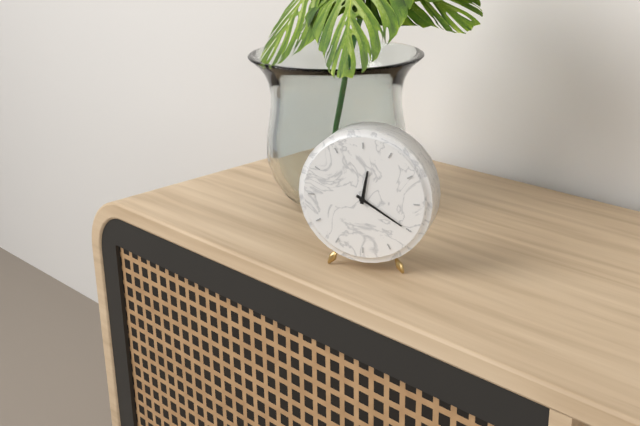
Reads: 12:20
